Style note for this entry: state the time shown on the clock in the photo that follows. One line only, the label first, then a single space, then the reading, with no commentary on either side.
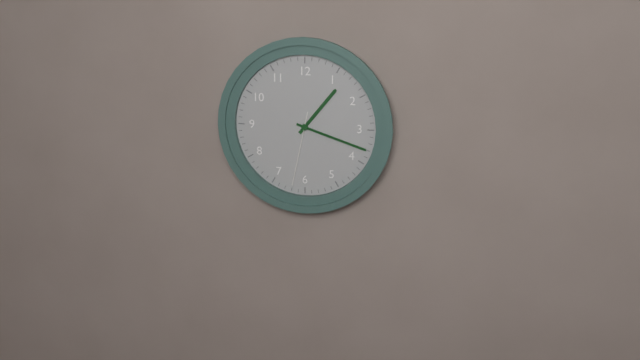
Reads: 1:18:32
